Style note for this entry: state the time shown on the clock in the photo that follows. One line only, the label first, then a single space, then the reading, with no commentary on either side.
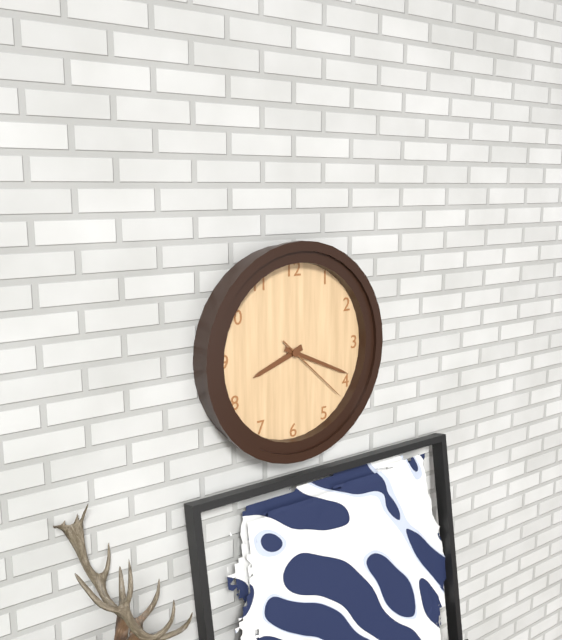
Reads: 8:19:22
